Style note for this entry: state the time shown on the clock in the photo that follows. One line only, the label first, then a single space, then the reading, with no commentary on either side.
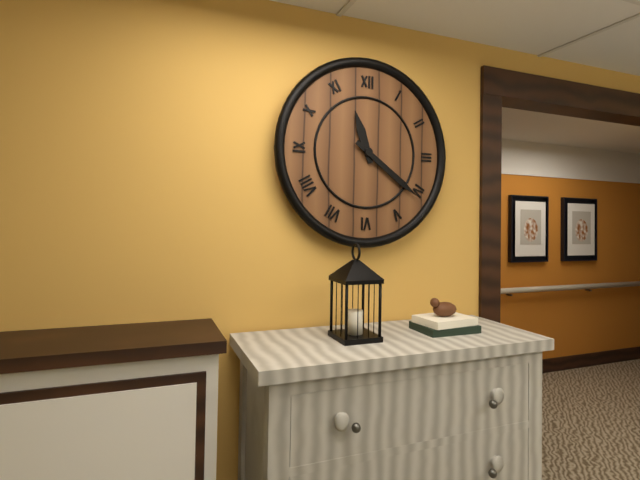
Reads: 11:21
